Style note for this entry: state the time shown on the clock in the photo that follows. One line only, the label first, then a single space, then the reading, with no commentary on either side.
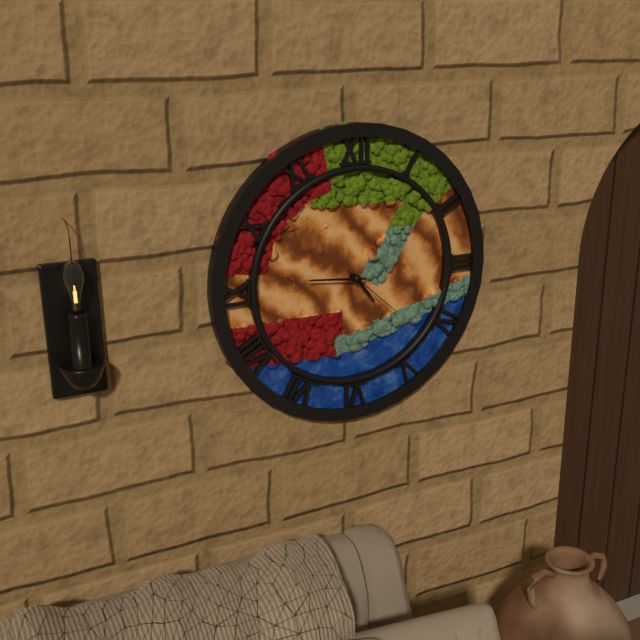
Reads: 4:46:22
